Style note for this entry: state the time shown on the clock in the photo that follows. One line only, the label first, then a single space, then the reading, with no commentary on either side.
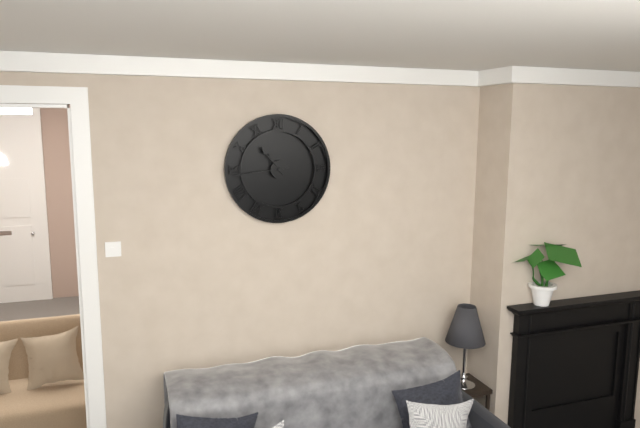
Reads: 10:44
